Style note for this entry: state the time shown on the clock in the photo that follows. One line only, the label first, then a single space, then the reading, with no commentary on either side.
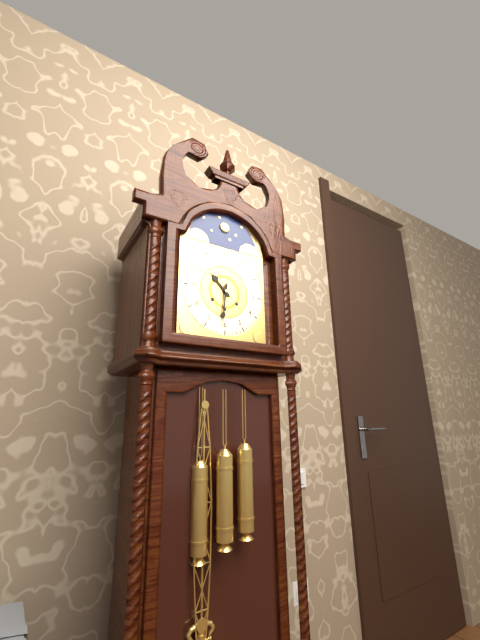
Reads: 10:31
